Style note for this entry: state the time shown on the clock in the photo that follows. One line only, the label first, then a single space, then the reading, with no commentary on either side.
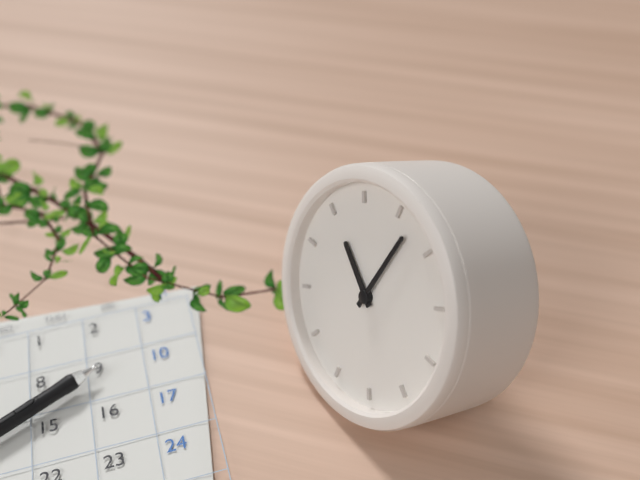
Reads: 10:02
